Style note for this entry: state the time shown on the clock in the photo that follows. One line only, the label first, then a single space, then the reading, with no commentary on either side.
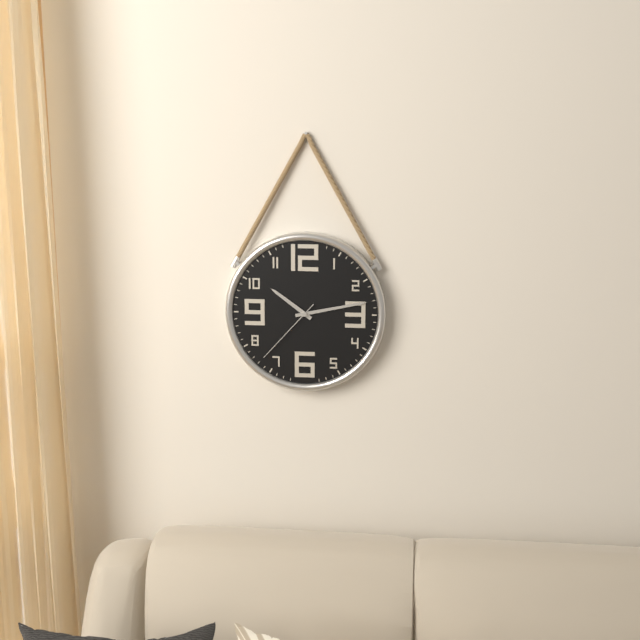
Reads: 10:13:37
